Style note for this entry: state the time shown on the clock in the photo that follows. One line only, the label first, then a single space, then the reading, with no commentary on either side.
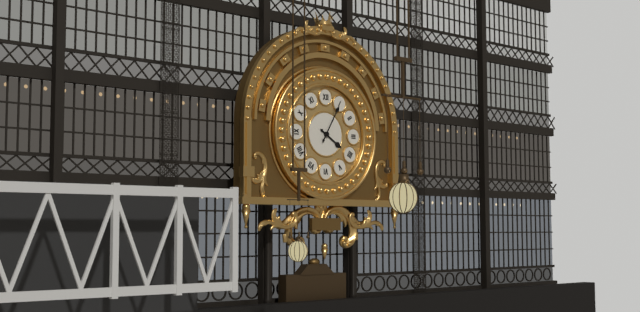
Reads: 4:05
